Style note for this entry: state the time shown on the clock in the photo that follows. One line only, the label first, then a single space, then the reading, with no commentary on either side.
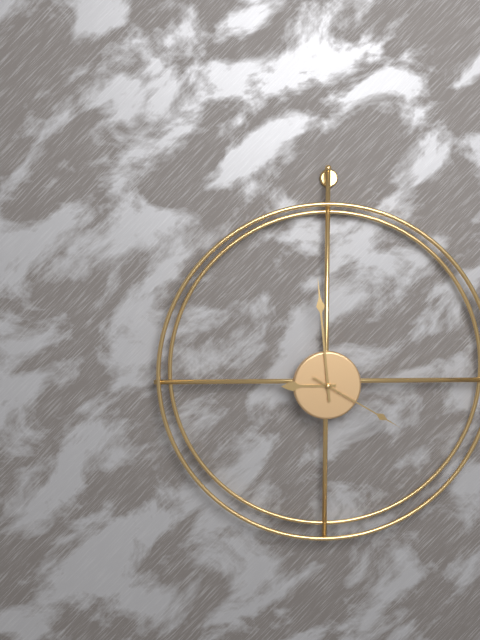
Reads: 8:59:20
